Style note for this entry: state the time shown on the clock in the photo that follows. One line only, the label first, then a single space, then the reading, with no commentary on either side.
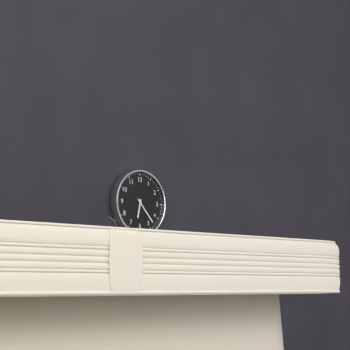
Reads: 6:23
